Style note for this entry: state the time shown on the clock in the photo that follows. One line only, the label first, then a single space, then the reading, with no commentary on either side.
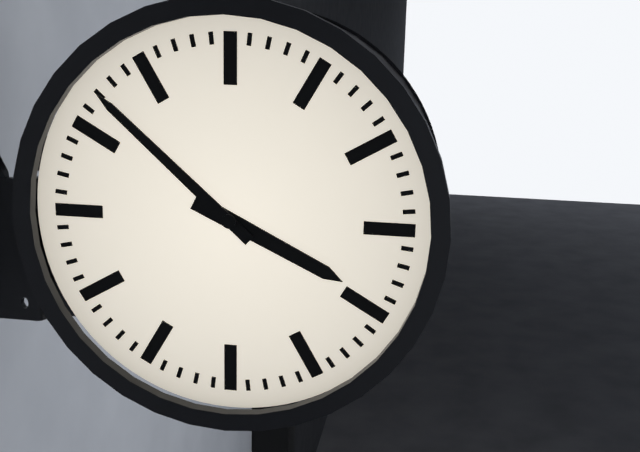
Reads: 3:52
